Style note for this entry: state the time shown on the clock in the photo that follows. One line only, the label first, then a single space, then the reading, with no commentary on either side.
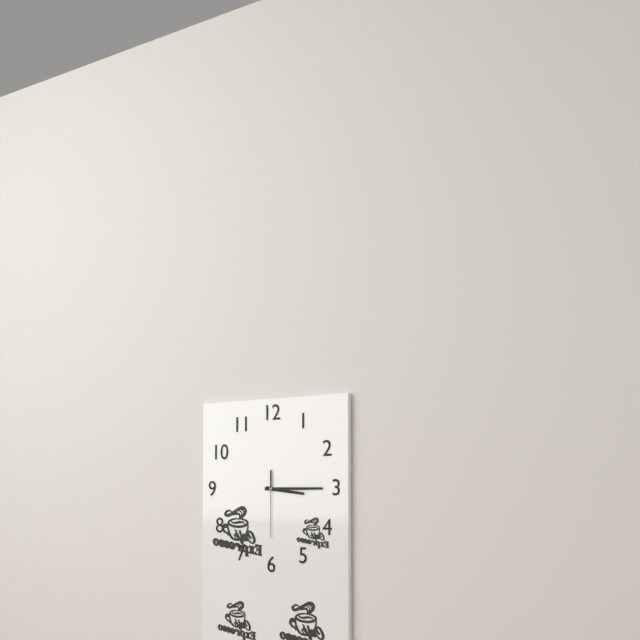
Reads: 3:15:30
